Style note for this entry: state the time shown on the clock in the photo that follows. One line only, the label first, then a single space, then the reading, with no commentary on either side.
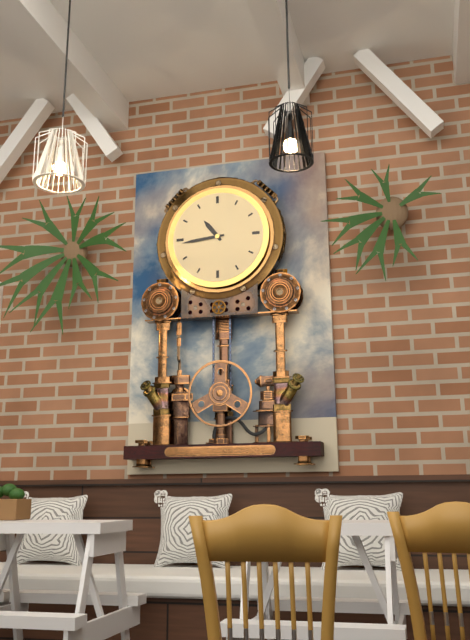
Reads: 10:44
